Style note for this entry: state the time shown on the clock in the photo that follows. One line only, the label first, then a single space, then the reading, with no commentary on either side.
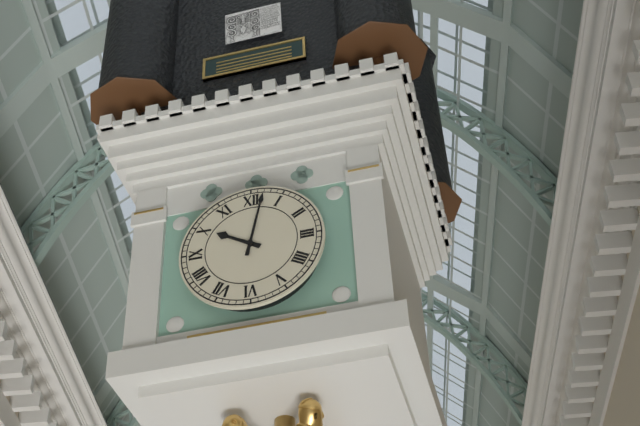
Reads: 10:02
